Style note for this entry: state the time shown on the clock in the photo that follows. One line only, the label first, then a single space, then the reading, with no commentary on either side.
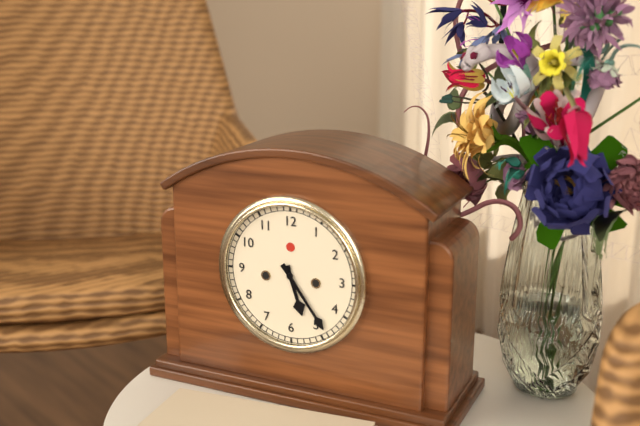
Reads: 5:24
